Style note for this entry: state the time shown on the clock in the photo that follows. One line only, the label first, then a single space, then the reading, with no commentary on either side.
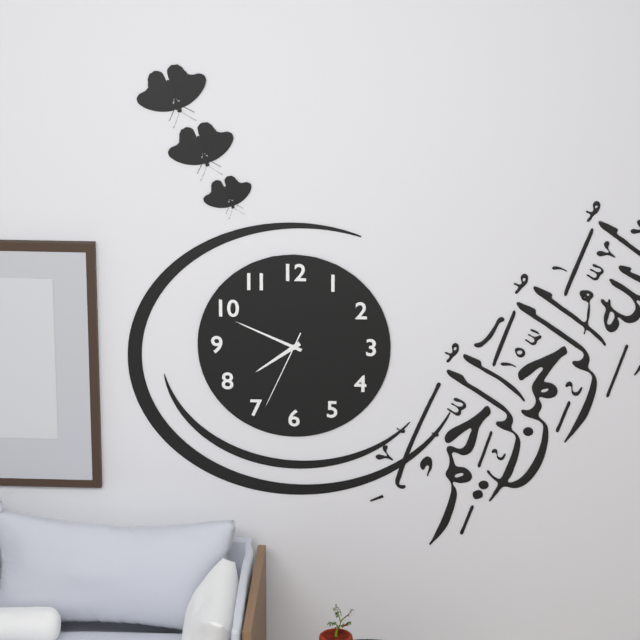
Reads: 7:49:34
